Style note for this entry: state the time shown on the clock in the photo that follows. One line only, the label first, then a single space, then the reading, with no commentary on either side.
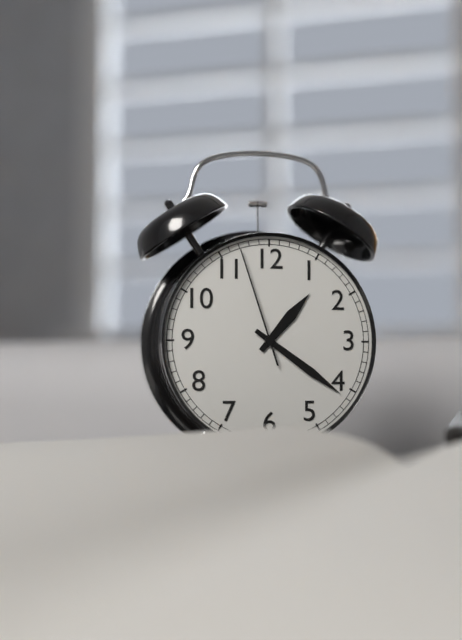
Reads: 1:21:57
